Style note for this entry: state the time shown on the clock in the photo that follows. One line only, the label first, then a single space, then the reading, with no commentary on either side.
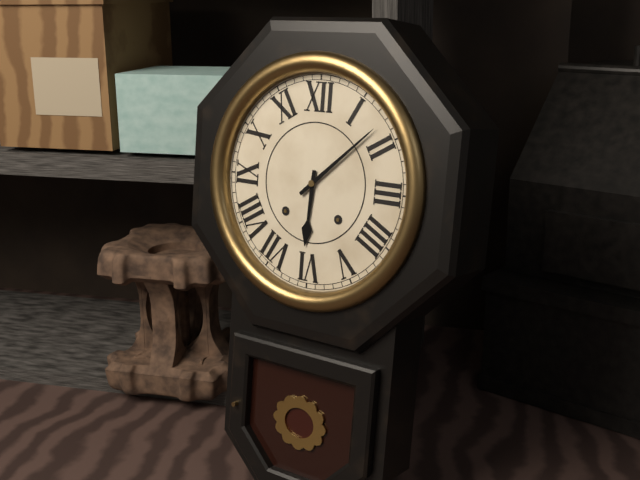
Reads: 6:08
